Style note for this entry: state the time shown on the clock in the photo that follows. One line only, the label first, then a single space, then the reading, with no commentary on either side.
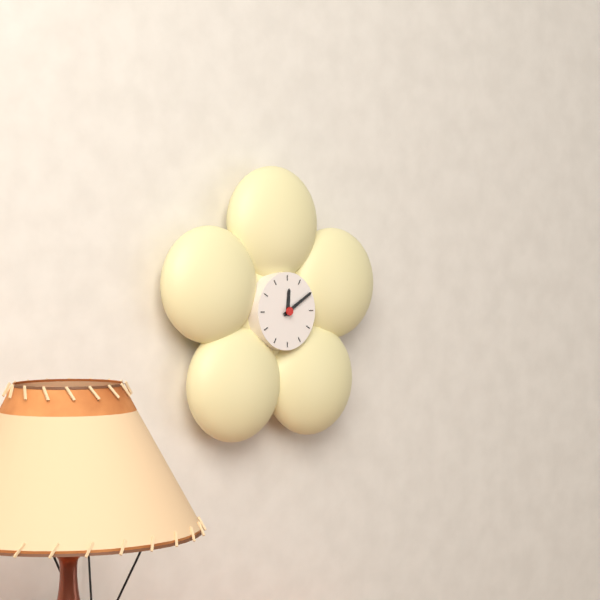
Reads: 12:10
